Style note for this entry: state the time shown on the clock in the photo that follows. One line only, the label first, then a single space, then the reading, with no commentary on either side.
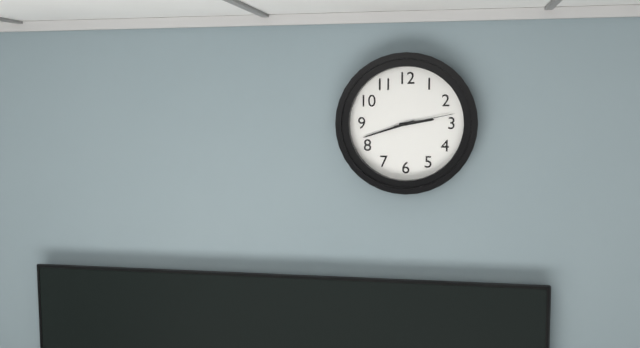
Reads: 2:42:13
